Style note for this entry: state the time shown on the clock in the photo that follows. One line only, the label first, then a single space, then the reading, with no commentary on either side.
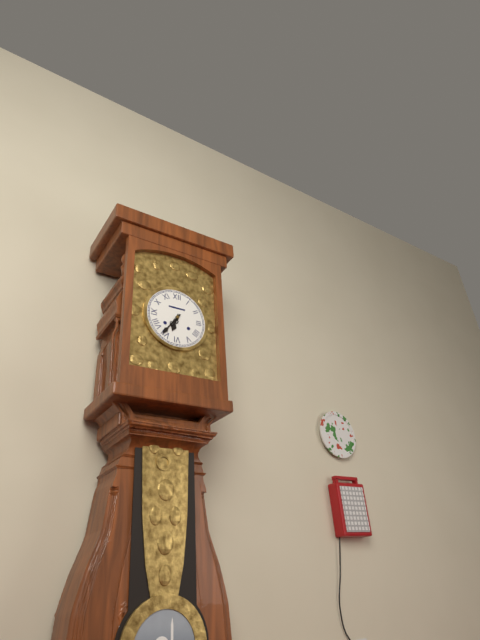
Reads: 6:36
